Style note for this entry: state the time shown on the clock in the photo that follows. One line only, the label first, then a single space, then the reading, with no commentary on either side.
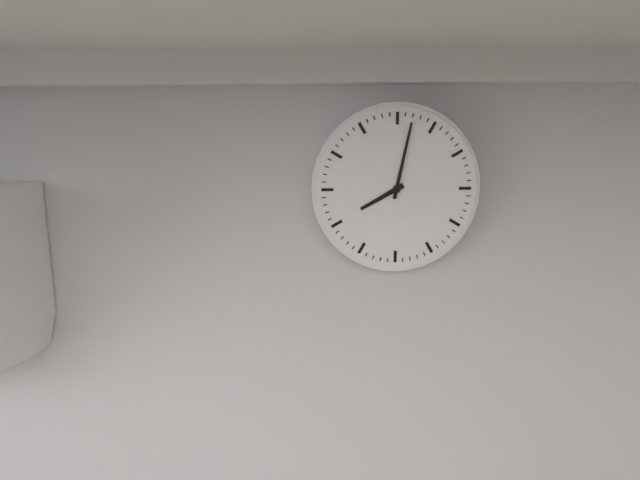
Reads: 8:02
